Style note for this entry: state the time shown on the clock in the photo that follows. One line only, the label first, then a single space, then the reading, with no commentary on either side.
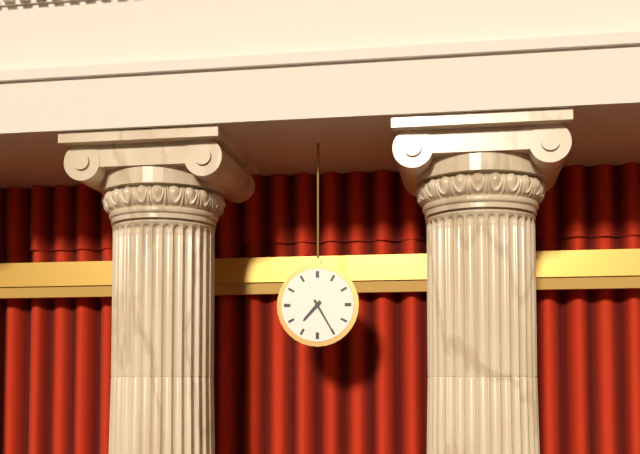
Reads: 7:25
